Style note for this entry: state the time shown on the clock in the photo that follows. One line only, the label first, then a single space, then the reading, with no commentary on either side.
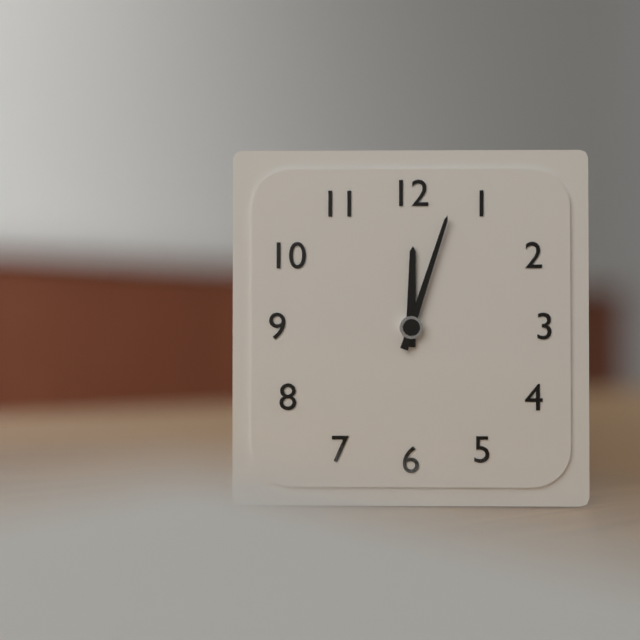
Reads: 12:03
